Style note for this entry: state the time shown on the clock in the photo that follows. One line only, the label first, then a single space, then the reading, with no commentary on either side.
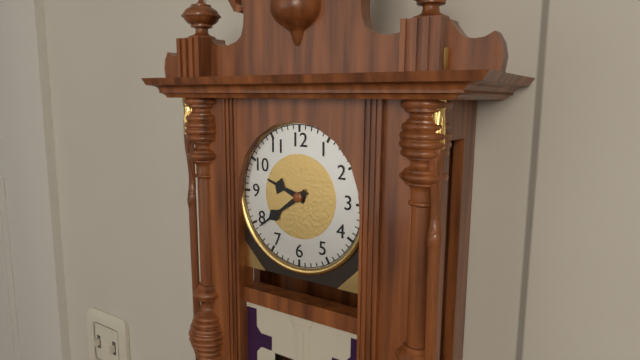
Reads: 9:39
